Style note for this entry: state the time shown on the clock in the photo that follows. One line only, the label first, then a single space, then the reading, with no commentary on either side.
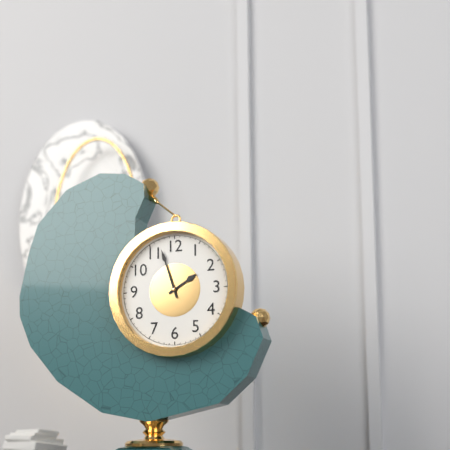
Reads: 1:57
